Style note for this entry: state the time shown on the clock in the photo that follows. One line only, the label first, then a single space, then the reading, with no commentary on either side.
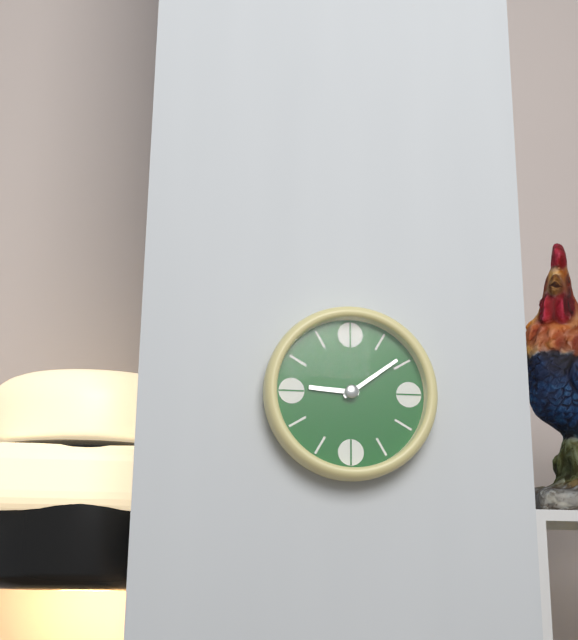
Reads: 9:09
